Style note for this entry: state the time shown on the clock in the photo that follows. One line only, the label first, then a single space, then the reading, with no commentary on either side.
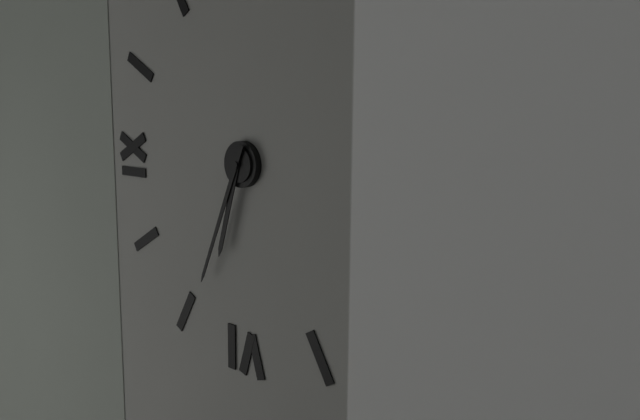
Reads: 6:34
